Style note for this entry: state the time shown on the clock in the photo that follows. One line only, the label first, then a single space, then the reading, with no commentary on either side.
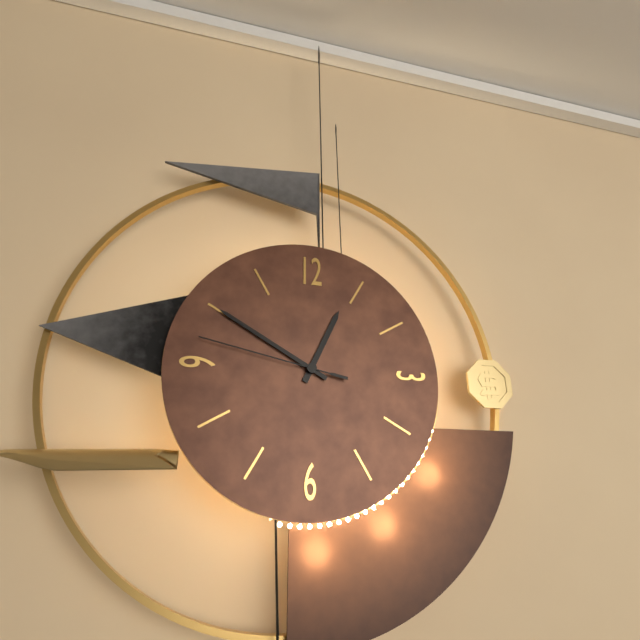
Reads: 12:50:47
